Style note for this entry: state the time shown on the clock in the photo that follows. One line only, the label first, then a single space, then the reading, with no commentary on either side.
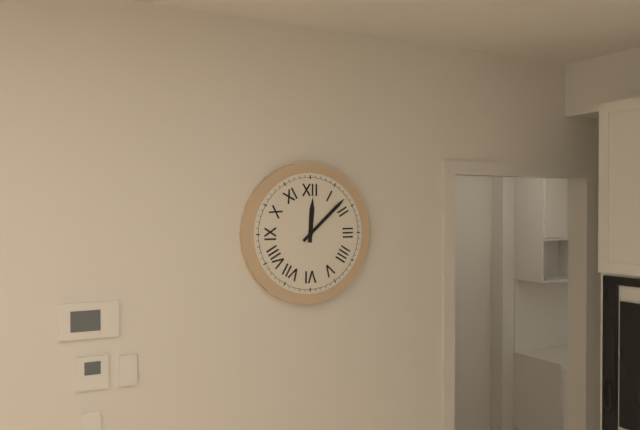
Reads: 12:08
